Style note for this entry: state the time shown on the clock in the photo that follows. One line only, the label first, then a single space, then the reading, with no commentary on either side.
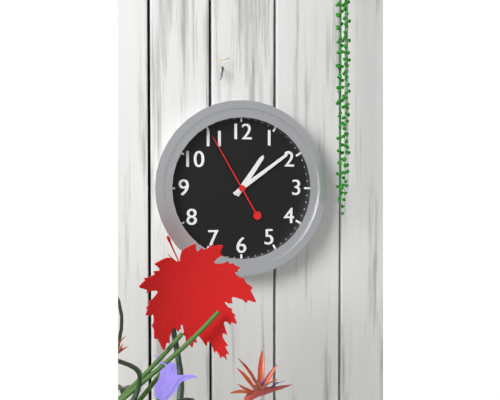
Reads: 1:09:55
